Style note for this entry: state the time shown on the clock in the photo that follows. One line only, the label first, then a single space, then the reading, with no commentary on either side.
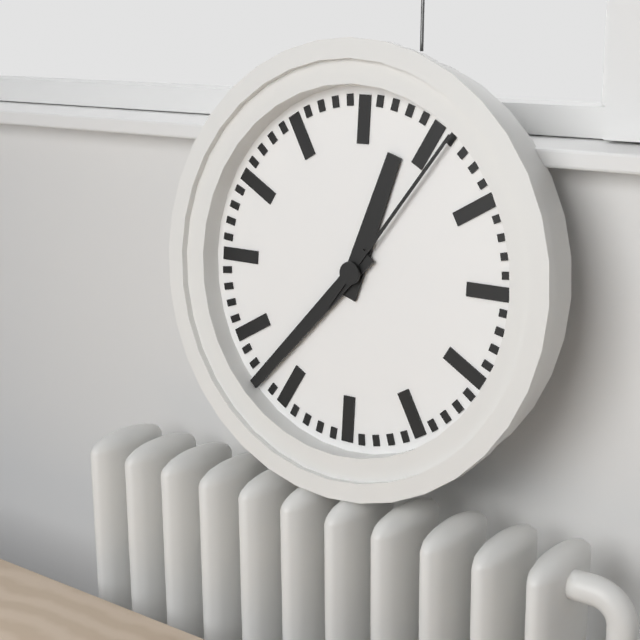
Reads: 12:37:06
